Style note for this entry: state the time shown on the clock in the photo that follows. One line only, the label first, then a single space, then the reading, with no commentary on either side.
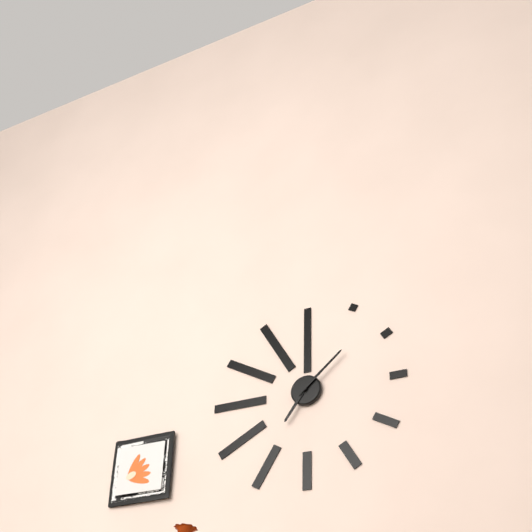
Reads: 7:08
